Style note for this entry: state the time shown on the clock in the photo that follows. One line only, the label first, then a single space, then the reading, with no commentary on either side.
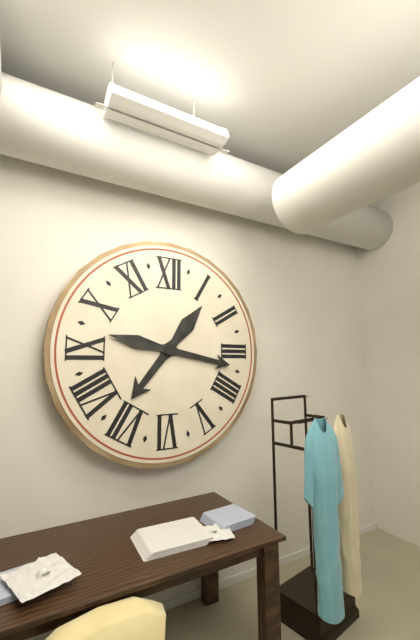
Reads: 7:17
